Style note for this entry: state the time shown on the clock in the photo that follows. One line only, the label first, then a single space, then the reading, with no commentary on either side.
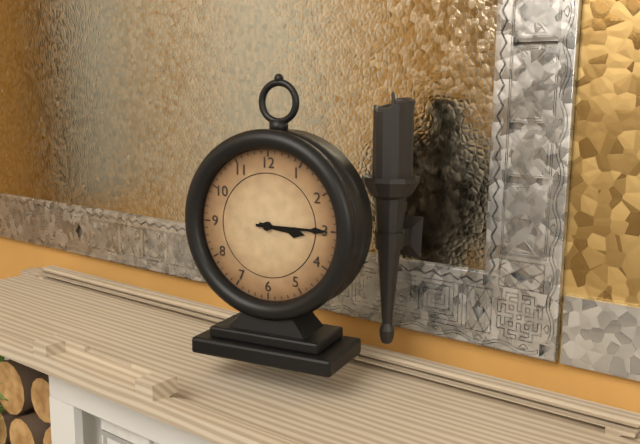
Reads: 3:15
